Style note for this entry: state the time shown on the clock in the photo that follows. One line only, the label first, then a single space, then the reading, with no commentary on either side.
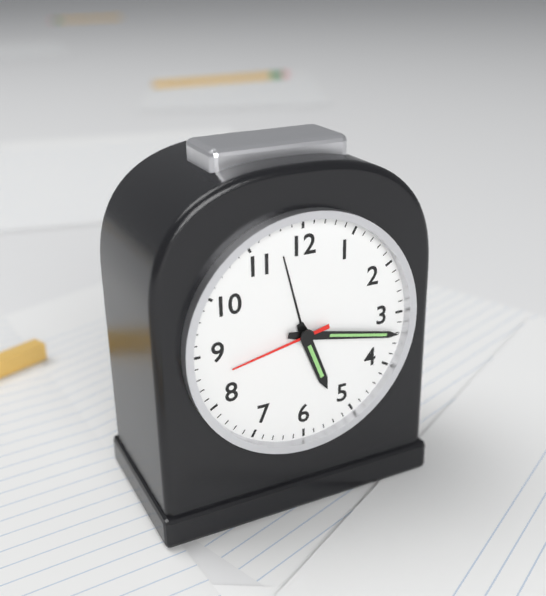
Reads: 5:17:43
